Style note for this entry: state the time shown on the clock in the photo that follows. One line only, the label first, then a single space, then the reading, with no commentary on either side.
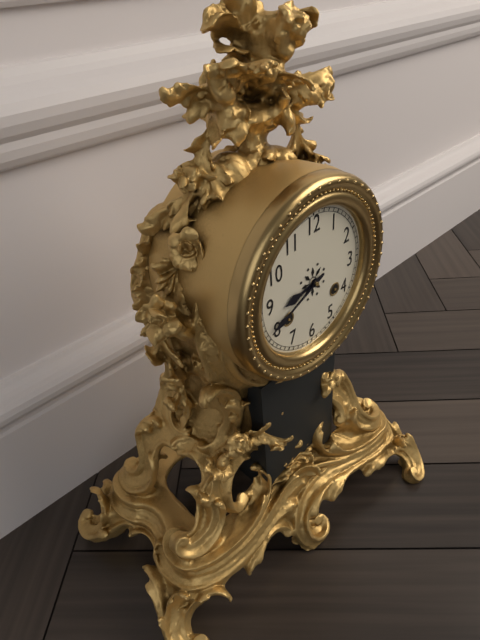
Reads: 8:41
